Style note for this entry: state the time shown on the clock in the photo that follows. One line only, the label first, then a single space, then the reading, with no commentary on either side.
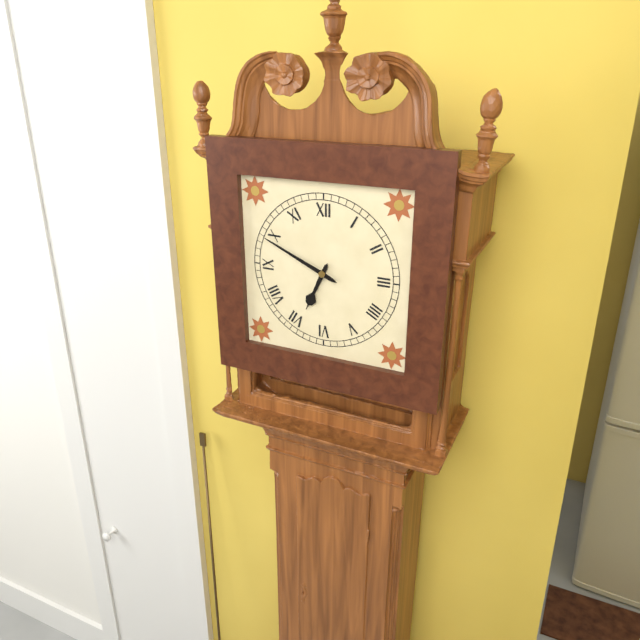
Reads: 6:49
